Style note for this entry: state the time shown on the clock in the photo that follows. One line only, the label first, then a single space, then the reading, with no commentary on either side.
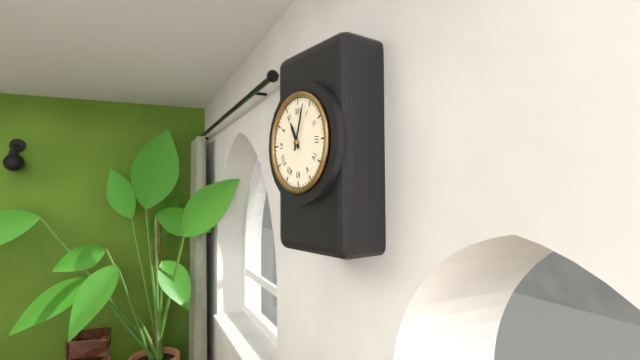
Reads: 11:03
